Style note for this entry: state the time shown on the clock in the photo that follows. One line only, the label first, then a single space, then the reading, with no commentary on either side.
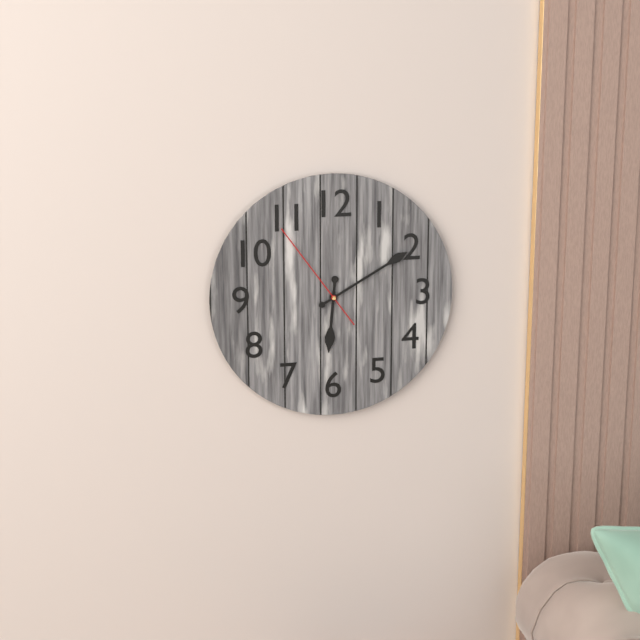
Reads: 6:10:54
